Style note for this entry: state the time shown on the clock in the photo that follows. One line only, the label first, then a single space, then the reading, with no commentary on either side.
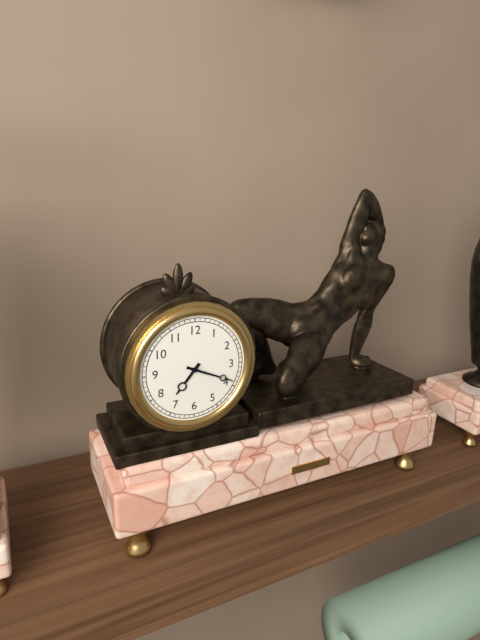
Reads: 7:19
